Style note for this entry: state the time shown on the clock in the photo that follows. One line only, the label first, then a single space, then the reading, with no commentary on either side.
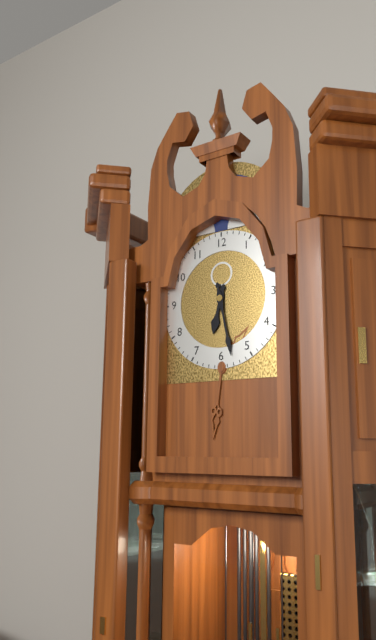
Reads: 6:28
